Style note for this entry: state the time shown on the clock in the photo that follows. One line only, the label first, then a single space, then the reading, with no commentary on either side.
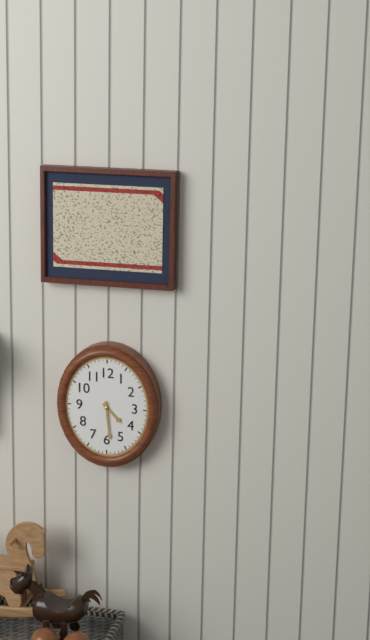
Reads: 4:29
